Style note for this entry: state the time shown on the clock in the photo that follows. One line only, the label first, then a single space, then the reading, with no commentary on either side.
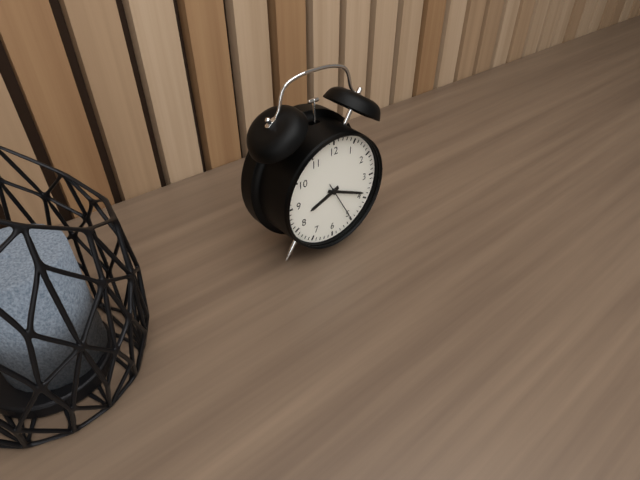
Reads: 8:19:25
